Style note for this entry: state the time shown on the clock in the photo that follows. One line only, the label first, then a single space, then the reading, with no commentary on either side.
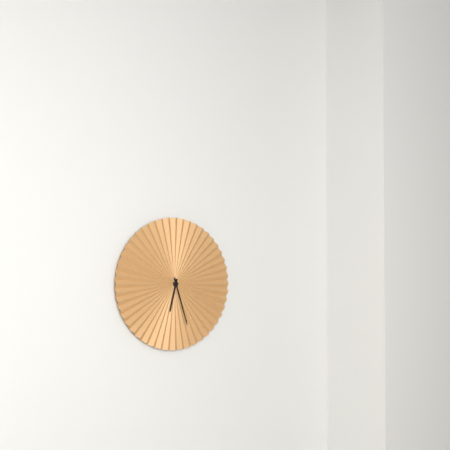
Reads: 6:27
